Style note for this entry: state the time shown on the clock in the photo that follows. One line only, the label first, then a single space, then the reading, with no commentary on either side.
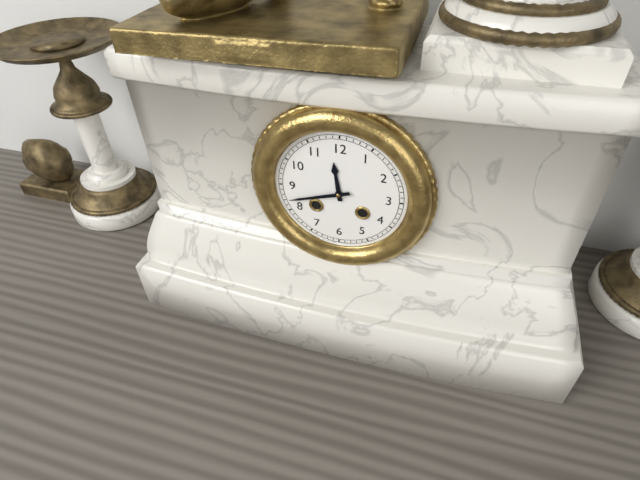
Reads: 11:42
